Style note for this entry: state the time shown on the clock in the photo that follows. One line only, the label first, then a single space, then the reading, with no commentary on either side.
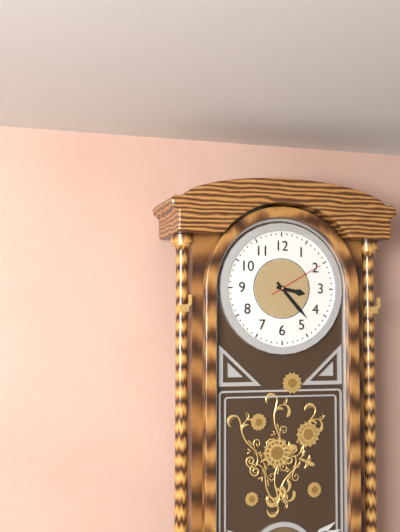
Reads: 3:23:10
